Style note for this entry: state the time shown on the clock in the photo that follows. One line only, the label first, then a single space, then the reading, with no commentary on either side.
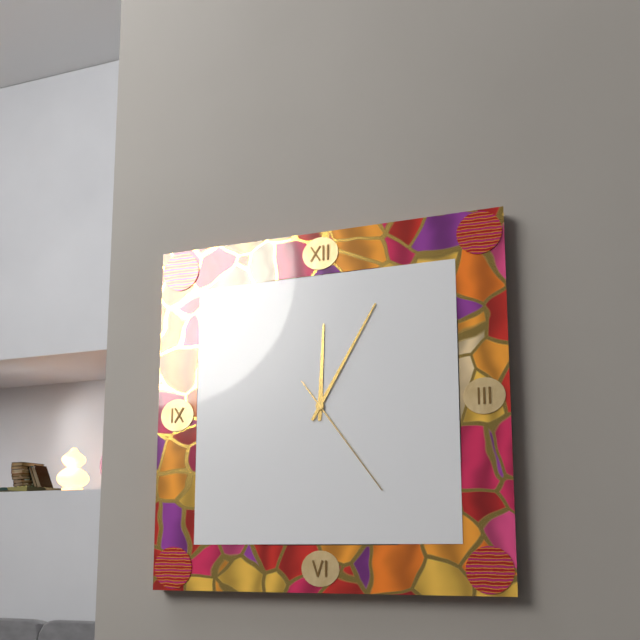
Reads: 12:05:24
